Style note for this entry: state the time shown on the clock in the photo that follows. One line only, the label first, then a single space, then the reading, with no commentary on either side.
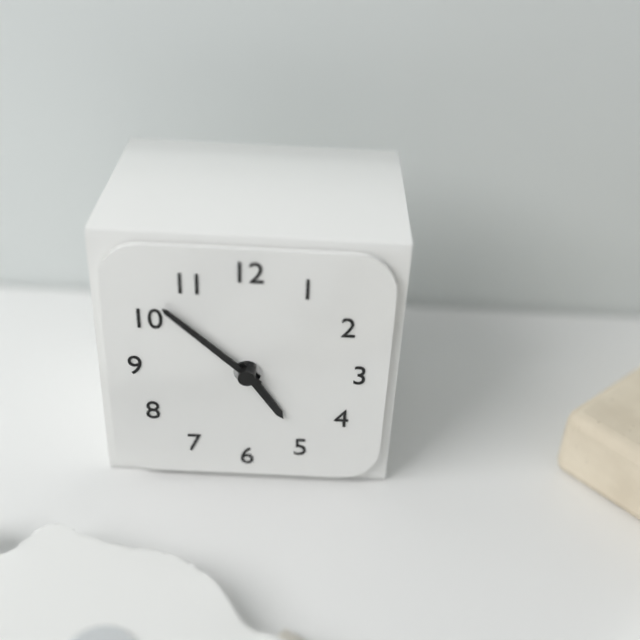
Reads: 4:52
